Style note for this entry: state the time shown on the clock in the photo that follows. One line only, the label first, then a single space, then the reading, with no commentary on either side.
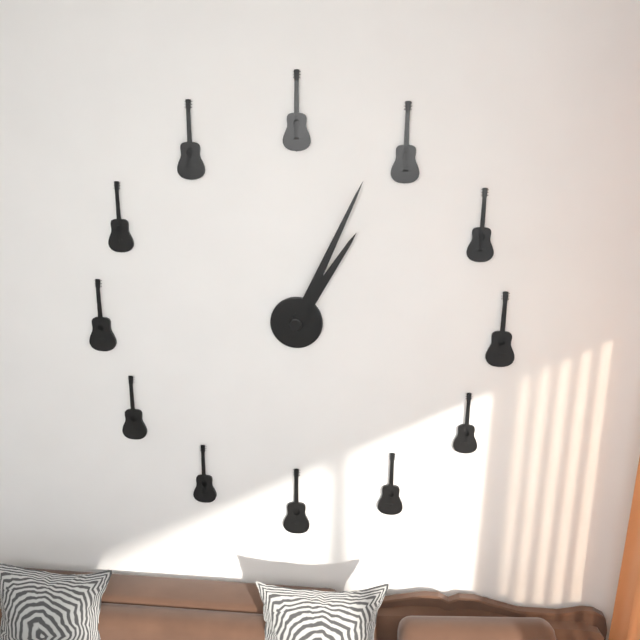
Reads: 1:04
